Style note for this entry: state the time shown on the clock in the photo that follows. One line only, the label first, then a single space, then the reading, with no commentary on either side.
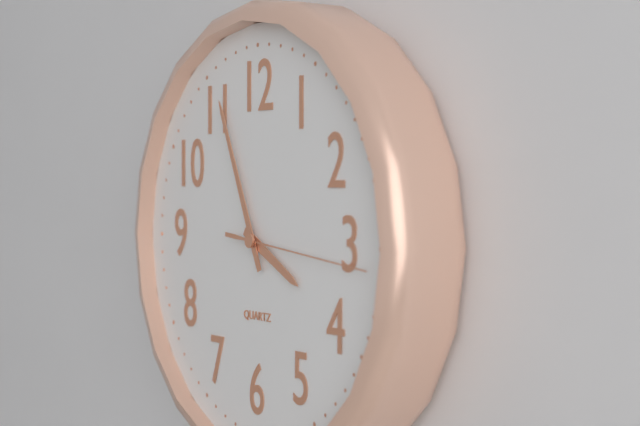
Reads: 3:56:16
